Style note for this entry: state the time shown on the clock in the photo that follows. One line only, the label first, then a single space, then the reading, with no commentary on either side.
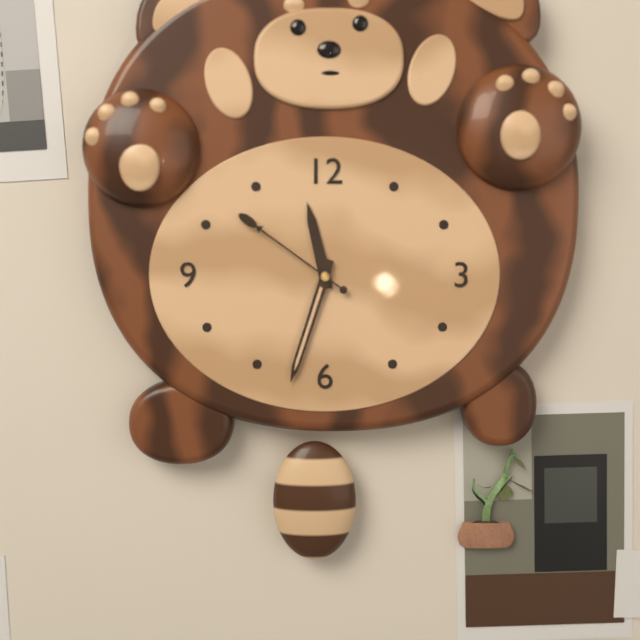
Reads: 11:33:51
